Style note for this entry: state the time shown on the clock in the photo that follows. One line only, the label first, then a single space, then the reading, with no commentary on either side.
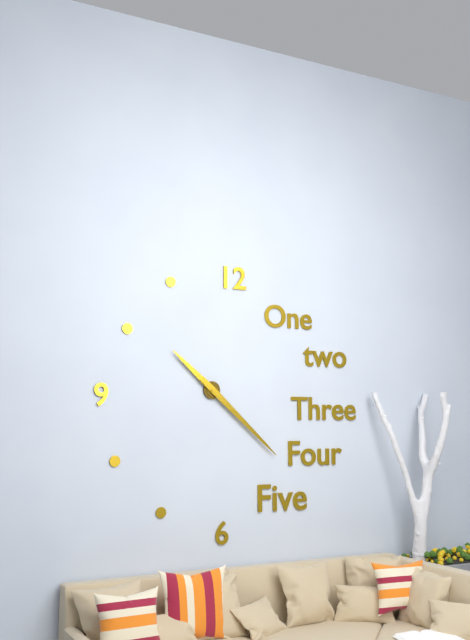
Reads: 10:22
